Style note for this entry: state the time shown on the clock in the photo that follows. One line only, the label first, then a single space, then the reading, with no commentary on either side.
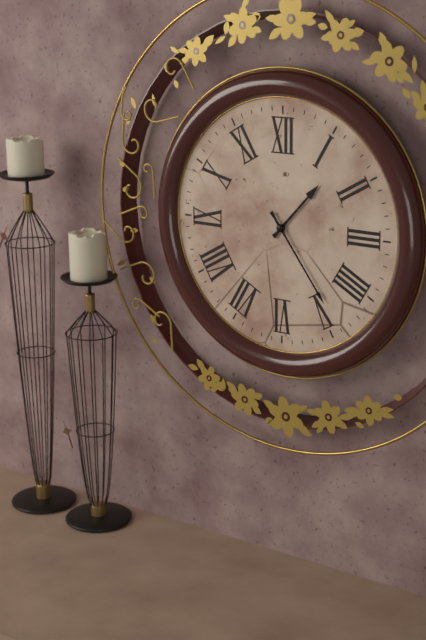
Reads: 1:24
